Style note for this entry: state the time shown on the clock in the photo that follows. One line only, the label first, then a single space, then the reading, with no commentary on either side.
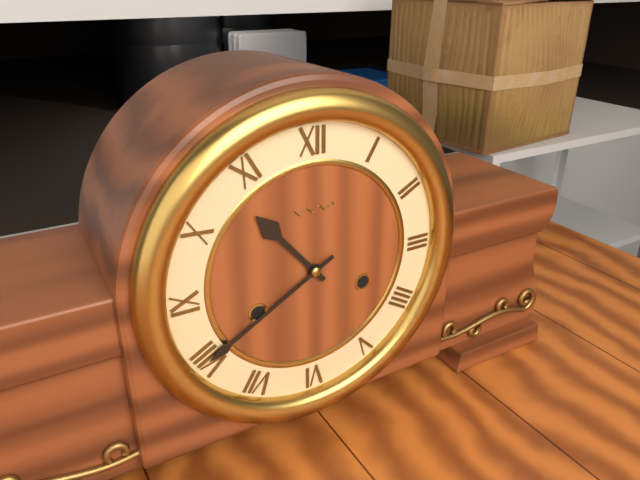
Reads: 10:40
